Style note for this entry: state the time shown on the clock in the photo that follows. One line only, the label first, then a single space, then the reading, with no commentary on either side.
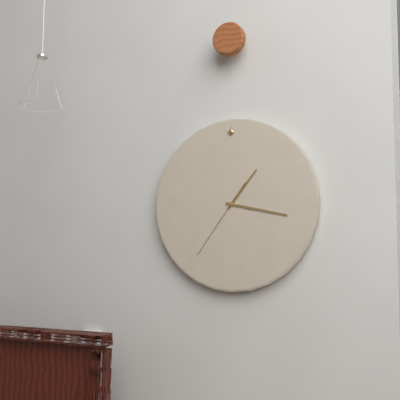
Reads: 1:17:36
